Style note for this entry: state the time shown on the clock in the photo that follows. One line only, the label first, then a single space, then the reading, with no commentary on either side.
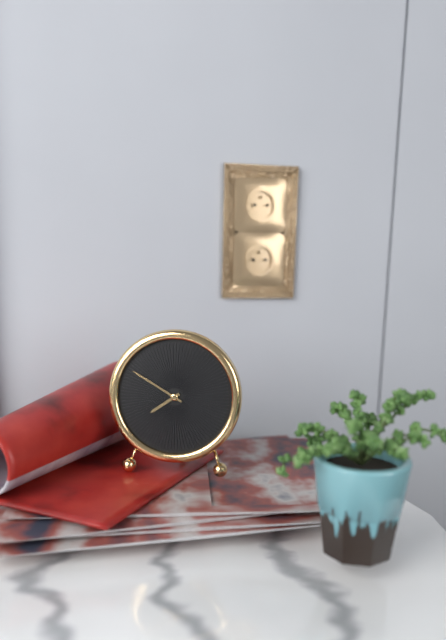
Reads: 7:50
